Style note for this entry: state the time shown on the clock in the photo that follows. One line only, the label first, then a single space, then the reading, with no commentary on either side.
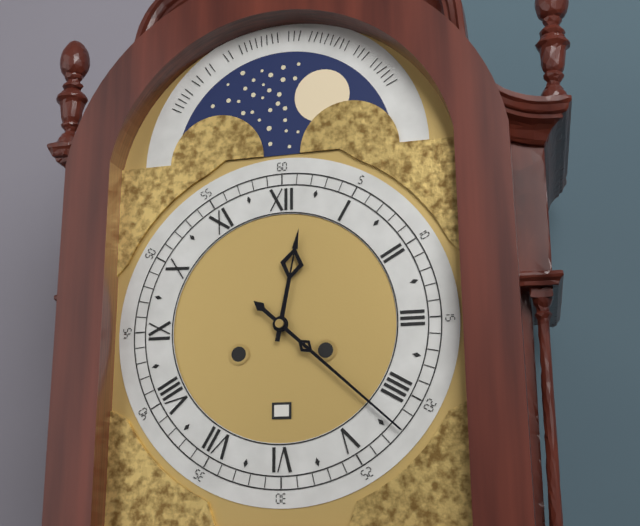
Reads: 12:22
